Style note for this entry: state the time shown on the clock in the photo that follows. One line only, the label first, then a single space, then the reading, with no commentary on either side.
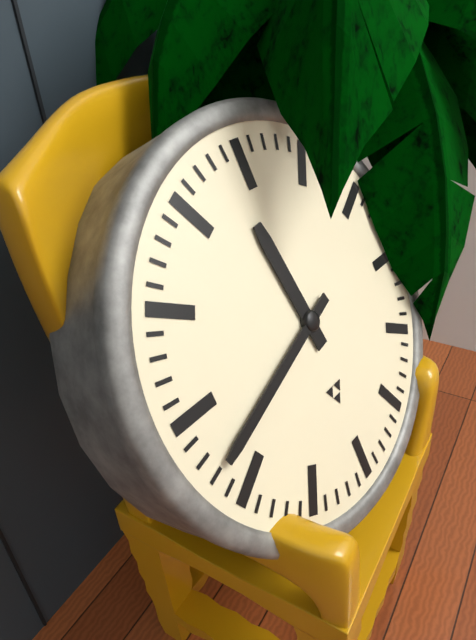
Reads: 11:42
